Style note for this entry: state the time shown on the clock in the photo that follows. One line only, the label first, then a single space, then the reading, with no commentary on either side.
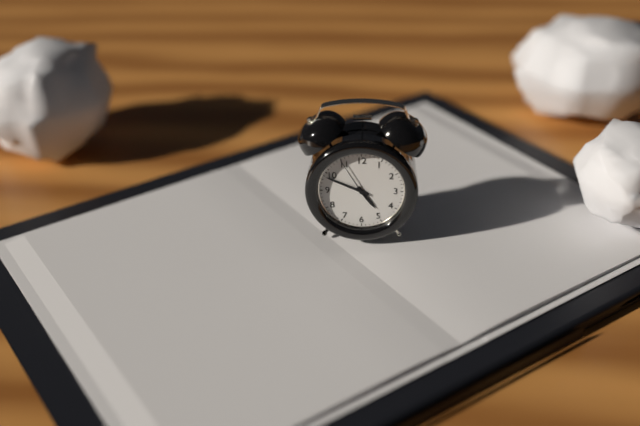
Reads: 4:49
